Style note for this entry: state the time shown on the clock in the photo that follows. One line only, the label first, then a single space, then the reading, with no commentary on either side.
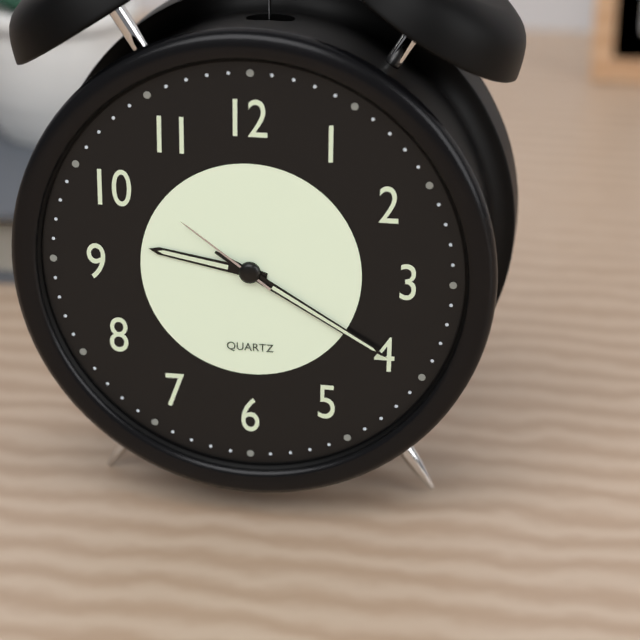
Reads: 9:20:51
